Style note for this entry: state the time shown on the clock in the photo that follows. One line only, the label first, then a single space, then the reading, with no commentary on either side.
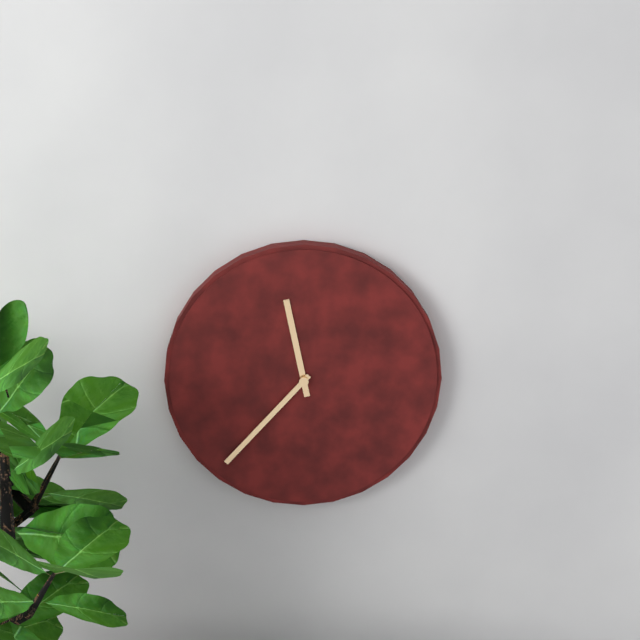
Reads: 11:37
